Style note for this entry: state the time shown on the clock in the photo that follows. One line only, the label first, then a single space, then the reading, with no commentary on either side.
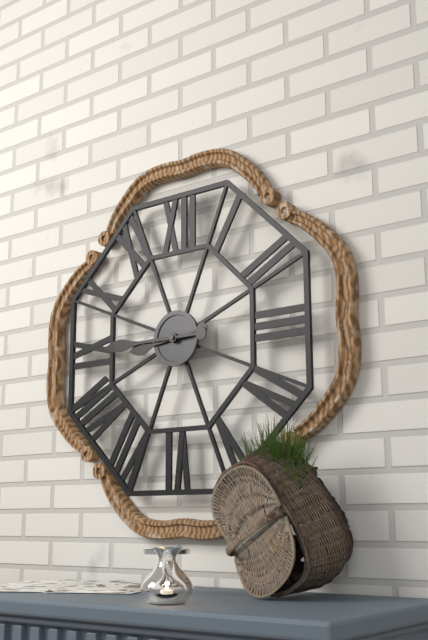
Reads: 8:45
